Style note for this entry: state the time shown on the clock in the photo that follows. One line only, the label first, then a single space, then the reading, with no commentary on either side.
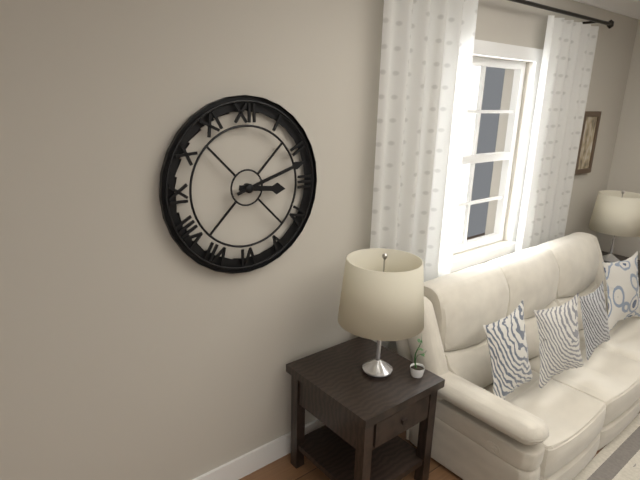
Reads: 3:12
